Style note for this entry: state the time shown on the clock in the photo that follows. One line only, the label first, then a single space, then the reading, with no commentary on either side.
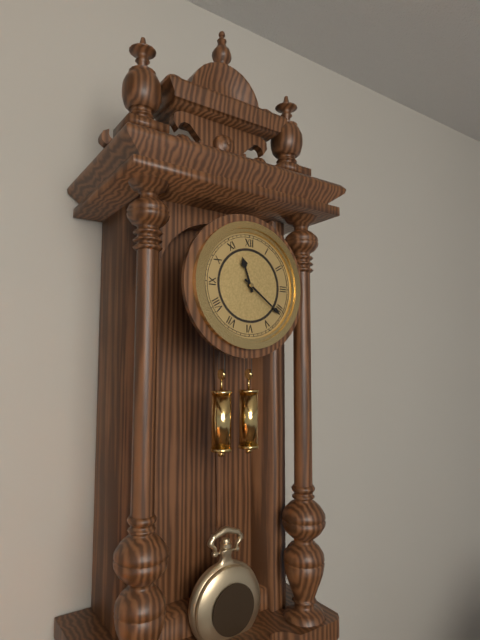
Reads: 11:21
